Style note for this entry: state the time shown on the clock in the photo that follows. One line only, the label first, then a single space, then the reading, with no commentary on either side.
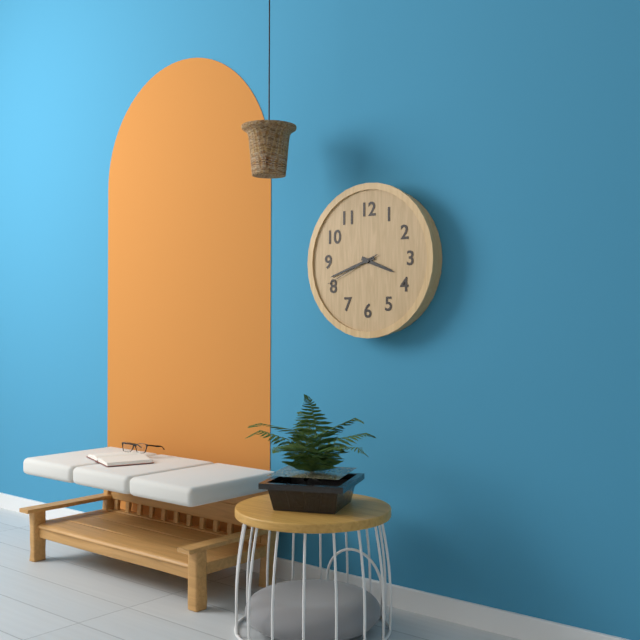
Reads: 3:42:41
